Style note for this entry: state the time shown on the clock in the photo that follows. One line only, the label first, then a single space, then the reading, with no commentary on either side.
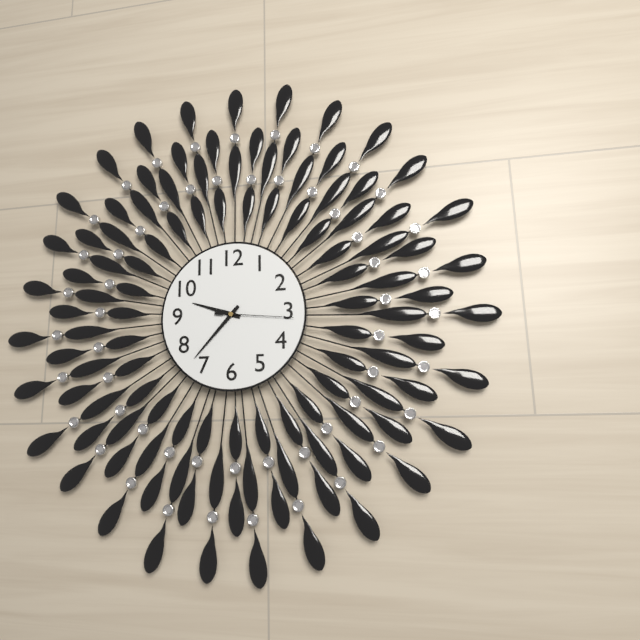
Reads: 9:37:16
